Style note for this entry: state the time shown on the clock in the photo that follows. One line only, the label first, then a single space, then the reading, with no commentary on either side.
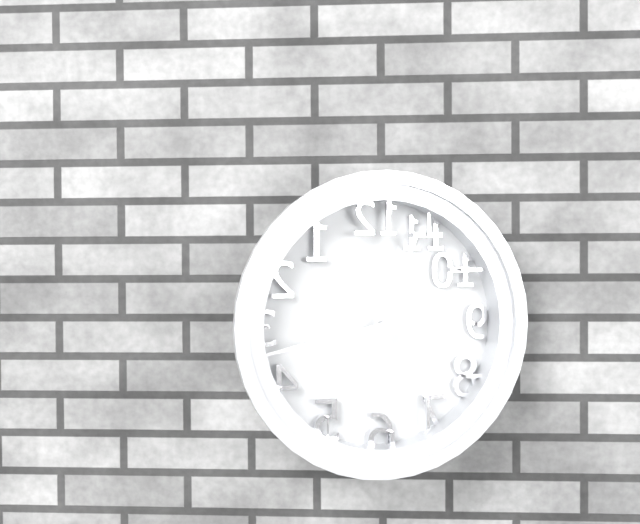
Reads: 12:43
